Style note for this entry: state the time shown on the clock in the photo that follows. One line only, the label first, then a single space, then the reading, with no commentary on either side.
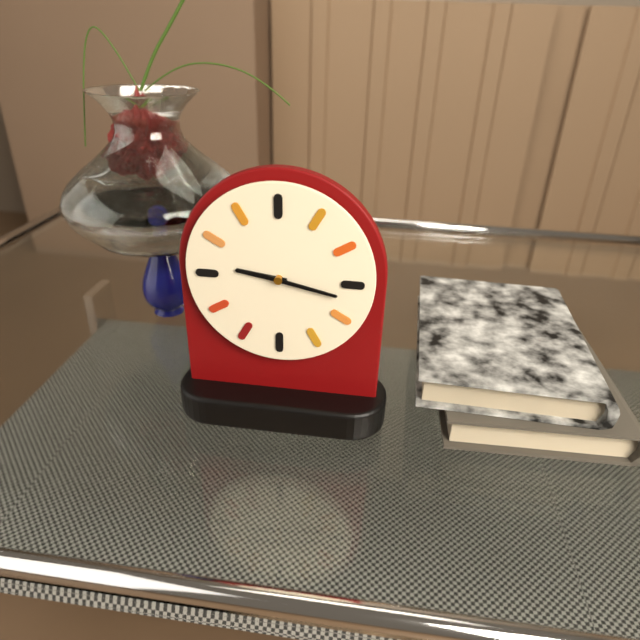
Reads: 9:17
